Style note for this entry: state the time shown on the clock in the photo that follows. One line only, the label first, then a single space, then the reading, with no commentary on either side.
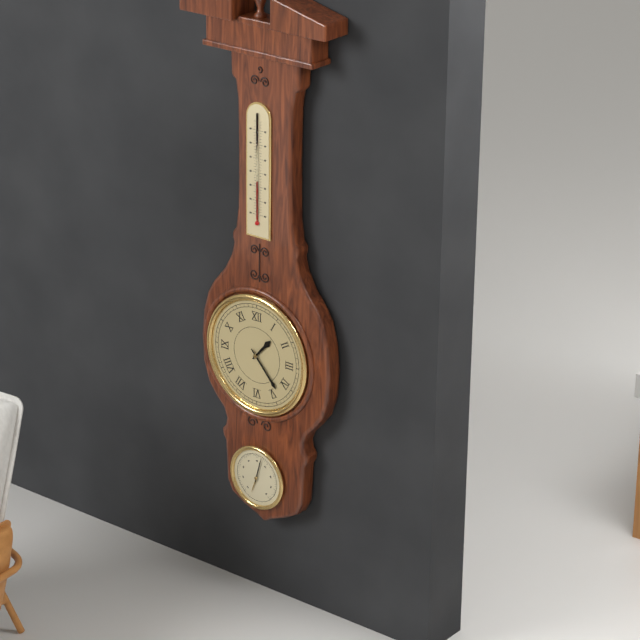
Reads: 1:23
